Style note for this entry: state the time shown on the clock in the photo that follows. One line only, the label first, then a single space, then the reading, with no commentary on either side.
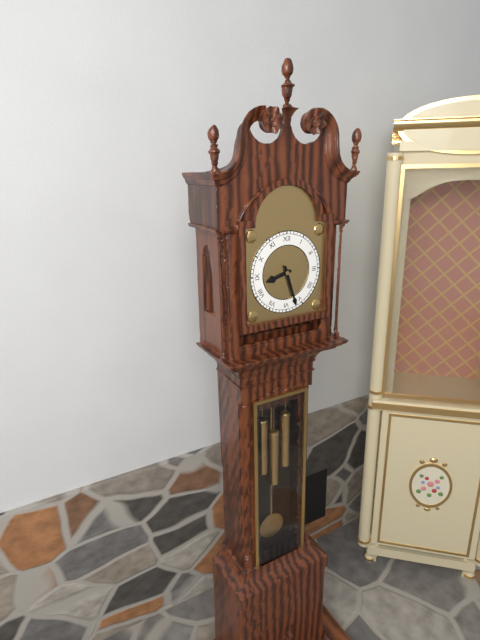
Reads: 8:27
